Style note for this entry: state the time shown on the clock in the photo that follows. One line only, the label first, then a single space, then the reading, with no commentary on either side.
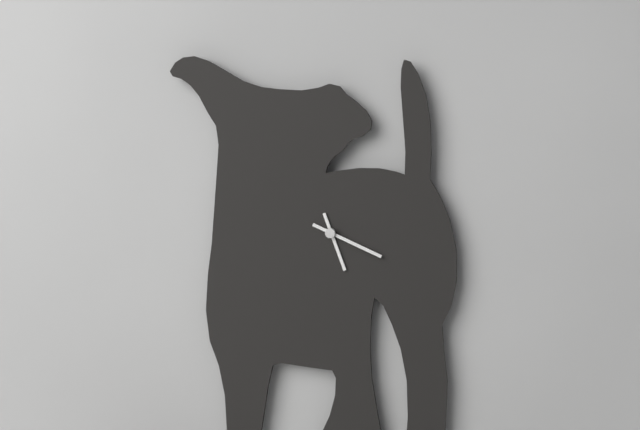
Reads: 5:19
